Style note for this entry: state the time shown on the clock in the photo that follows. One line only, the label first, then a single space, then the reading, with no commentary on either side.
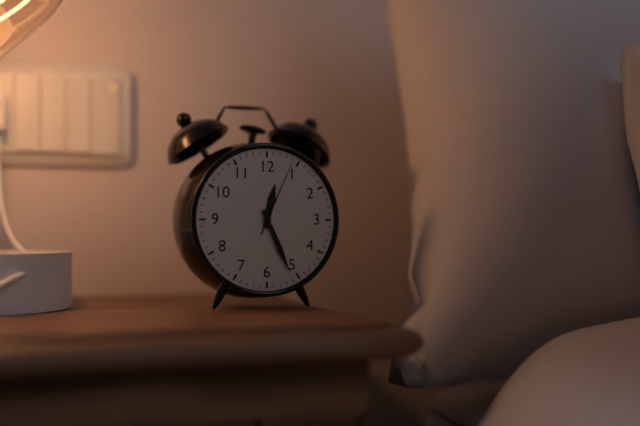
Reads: 12:26:04
